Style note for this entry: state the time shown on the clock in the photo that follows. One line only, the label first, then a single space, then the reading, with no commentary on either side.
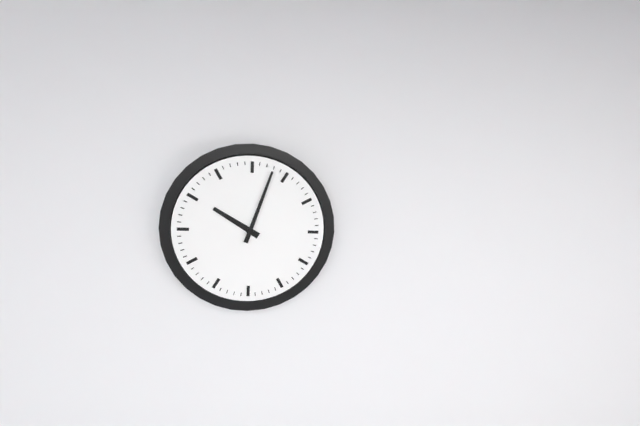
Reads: 10:03
